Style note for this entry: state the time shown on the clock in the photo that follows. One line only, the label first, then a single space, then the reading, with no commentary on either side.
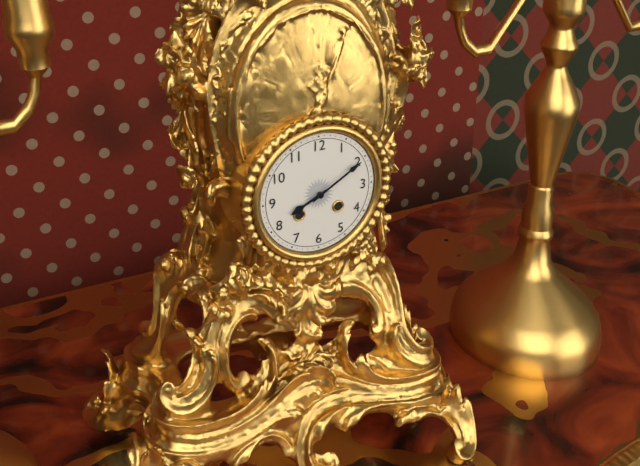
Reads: 8:10
